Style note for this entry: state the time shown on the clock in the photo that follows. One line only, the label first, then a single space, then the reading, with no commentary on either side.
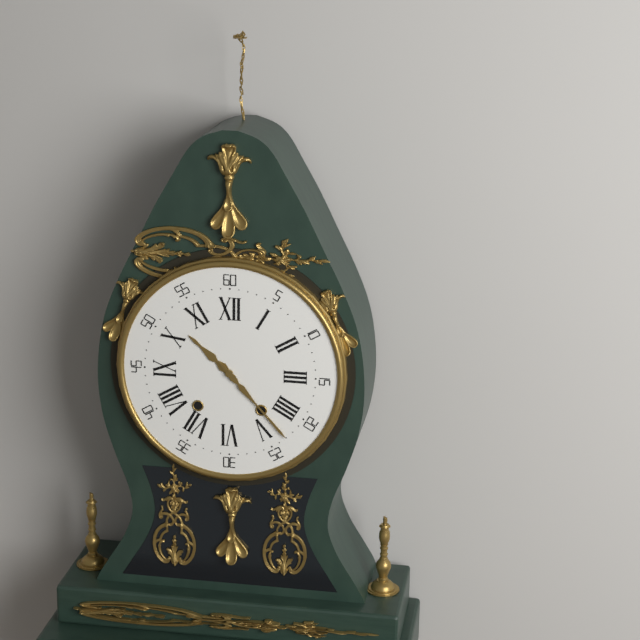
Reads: 10:23
